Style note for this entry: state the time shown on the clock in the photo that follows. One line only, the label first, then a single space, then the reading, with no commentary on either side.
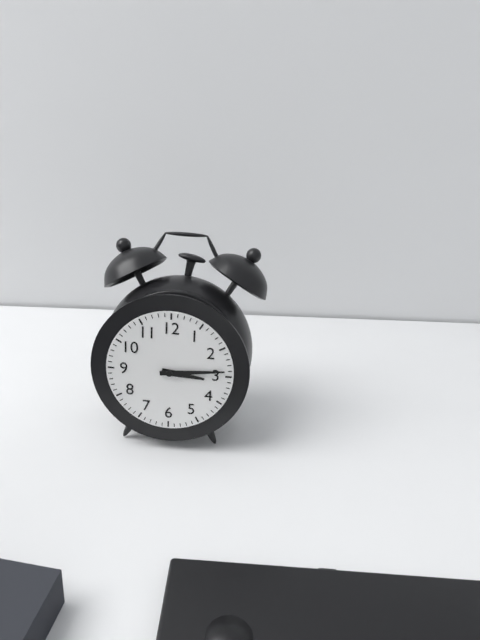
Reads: 3:14
